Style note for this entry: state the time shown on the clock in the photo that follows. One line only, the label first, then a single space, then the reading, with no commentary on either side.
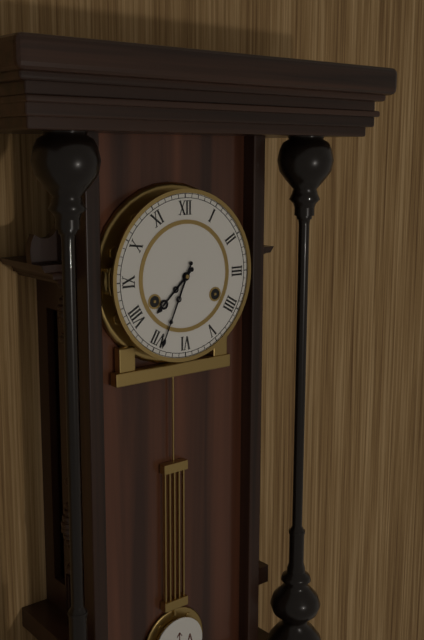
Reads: 7:34
